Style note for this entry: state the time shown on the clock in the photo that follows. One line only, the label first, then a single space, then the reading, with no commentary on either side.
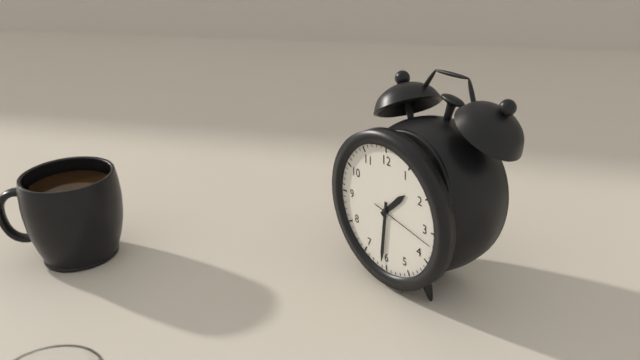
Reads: 1:31:17
